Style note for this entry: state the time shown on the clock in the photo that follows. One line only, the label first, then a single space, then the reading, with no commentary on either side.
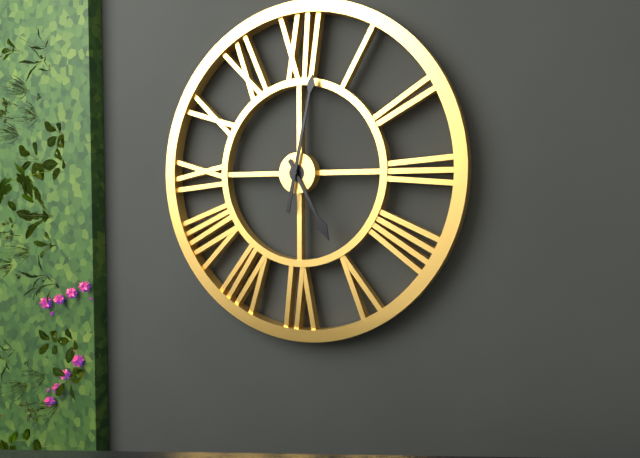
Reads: 5:02
